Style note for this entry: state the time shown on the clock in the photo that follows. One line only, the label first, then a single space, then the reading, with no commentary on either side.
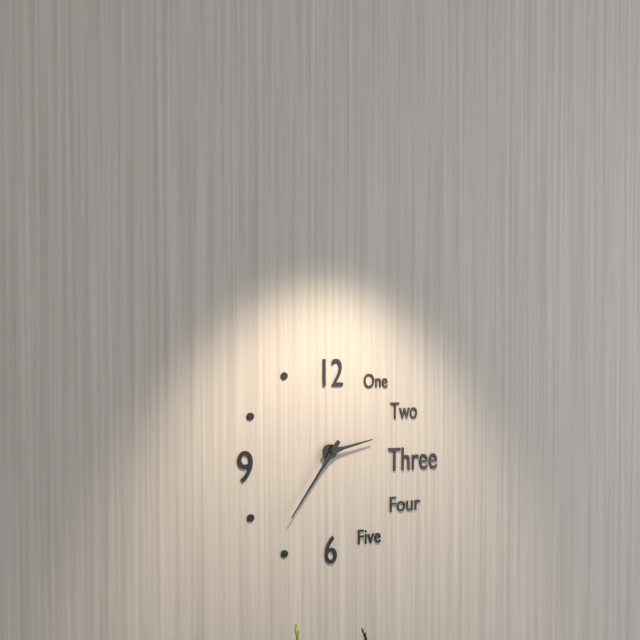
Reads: 2:36
